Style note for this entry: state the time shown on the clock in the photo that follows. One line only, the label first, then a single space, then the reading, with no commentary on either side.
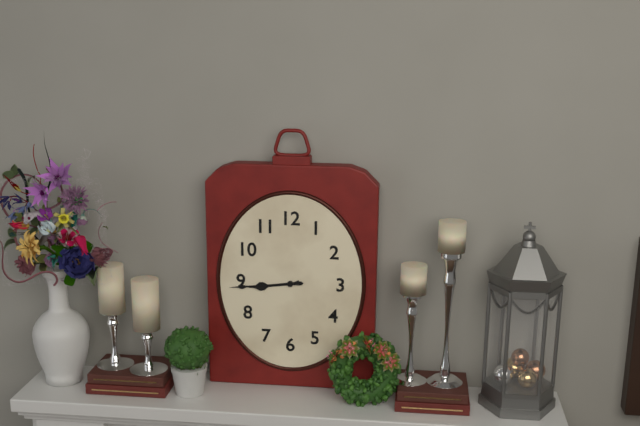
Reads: 8:44
